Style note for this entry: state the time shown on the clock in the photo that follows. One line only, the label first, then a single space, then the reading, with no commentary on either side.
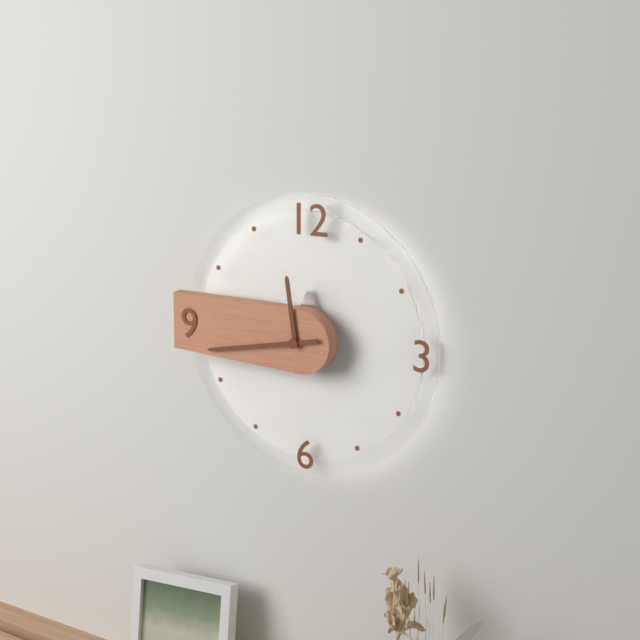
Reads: 11:43
